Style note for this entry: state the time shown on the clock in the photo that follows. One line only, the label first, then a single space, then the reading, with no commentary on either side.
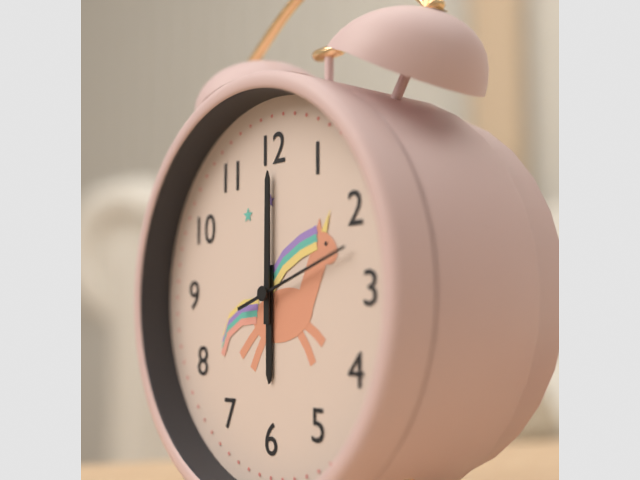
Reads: 6:00:12
